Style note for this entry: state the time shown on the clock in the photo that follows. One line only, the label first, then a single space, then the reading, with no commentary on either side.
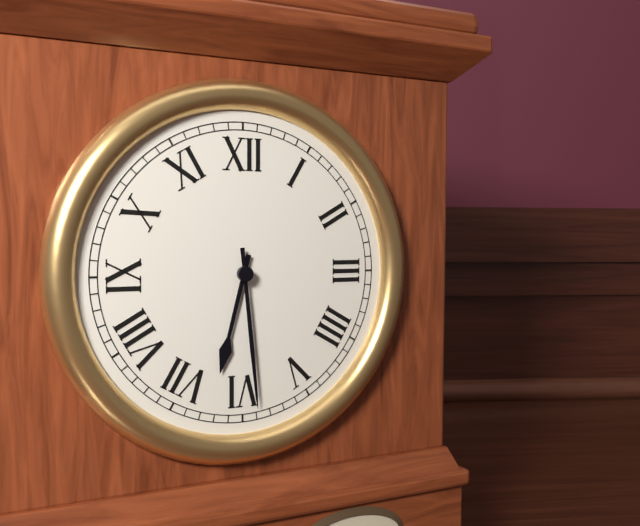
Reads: 6:29
